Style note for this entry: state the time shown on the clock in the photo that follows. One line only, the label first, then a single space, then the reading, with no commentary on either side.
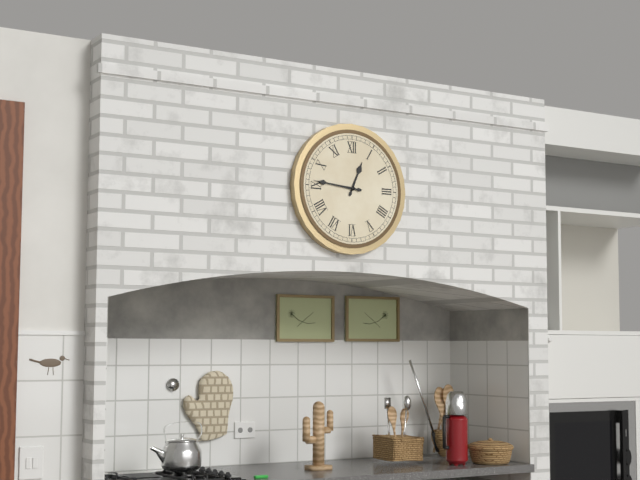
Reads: 12:46
